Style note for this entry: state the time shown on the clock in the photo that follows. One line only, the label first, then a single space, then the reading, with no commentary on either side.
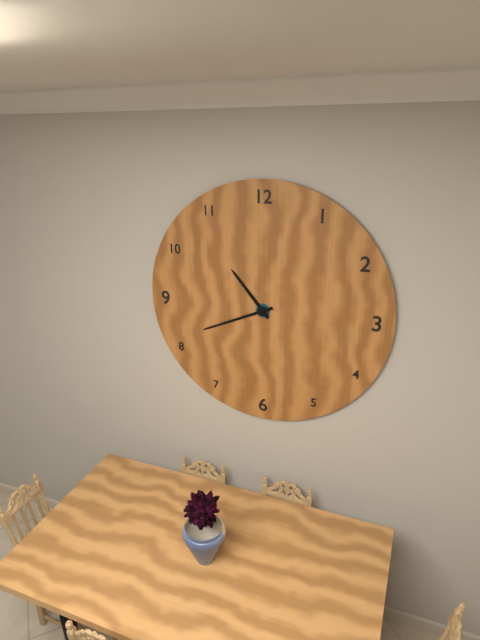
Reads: 10:41
